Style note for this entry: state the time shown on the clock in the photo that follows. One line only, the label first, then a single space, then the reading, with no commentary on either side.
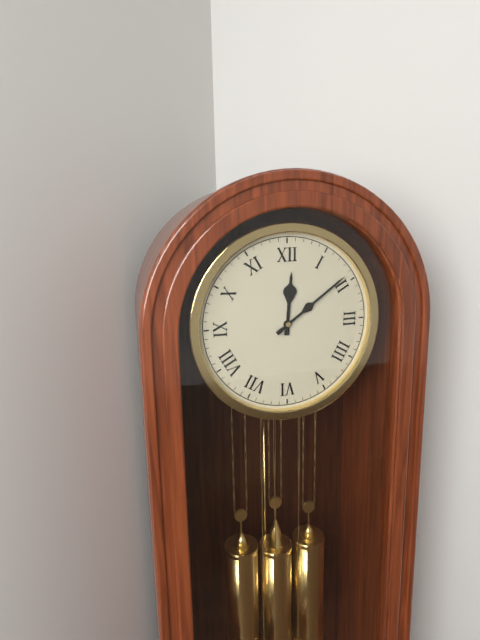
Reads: 12:09
